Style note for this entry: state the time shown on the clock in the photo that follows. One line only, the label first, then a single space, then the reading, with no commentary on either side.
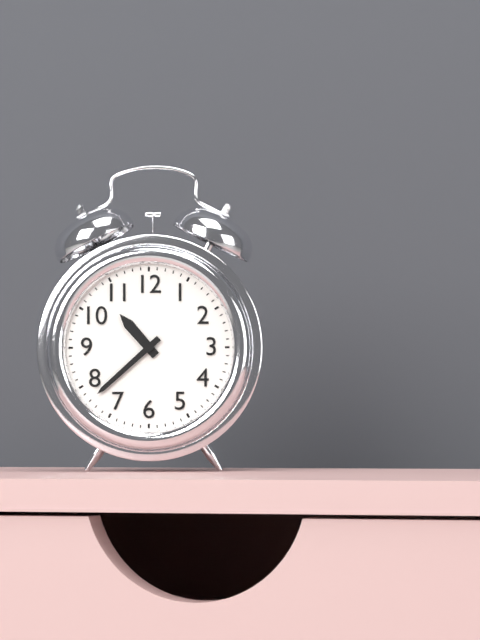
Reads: 10:38
